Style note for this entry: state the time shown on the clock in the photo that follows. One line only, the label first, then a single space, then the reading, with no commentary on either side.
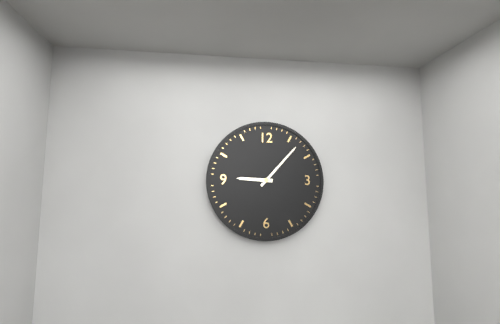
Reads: 9:07
